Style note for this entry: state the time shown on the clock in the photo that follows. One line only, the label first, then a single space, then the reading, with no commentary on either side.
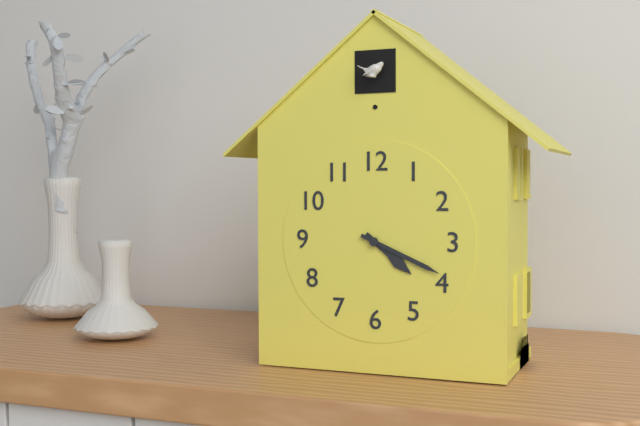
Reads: 4:19
